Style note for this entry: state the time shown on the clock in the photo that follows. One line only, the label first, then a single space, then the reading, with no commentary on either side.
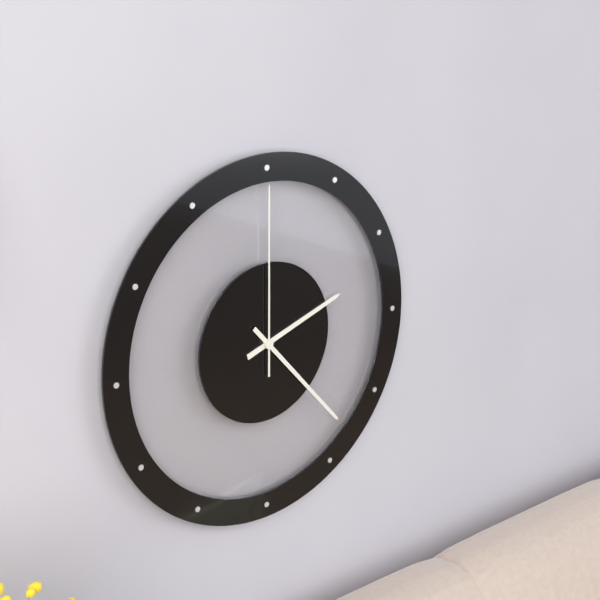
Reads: 2:23:00
